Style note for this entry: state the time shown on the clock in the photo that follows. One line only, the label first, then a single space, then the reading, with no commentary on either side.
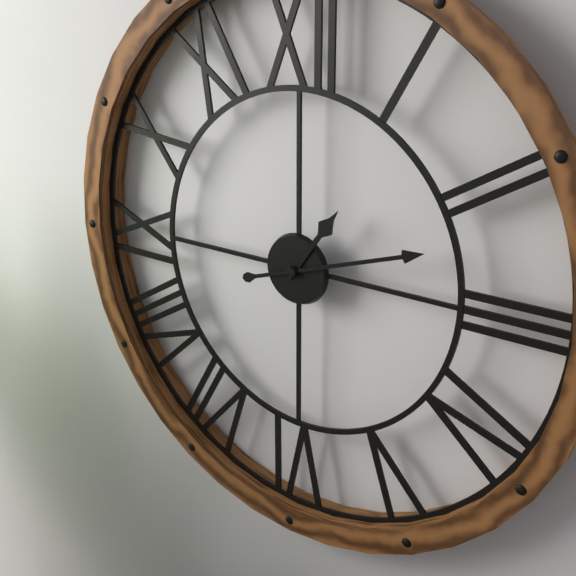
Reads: 1:12
